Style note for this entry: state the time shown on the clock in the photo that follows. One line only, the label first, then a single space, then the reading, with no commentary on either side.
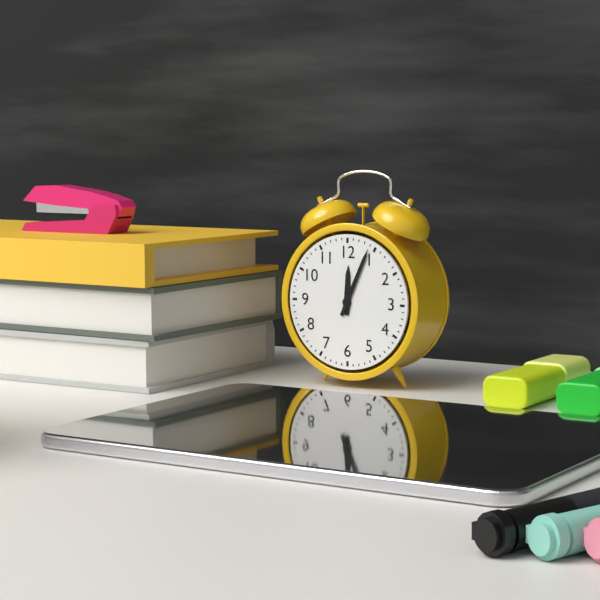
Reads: 12:04
